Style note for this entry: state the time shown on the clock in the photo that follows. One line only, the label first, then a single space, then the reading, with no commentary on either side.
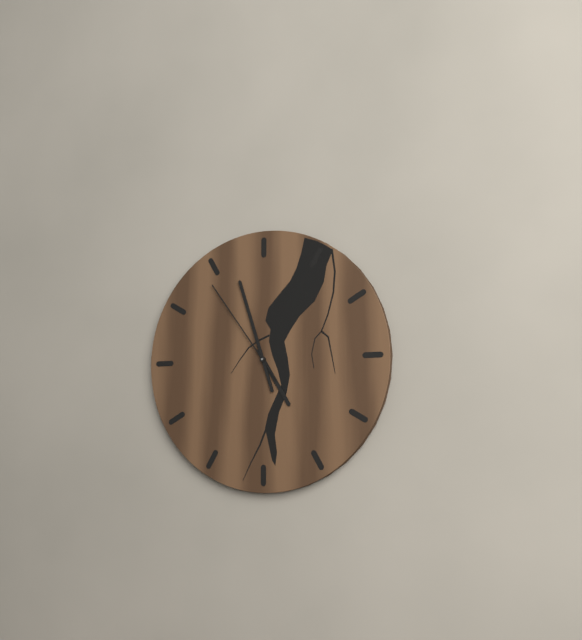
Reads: 4:57:54
